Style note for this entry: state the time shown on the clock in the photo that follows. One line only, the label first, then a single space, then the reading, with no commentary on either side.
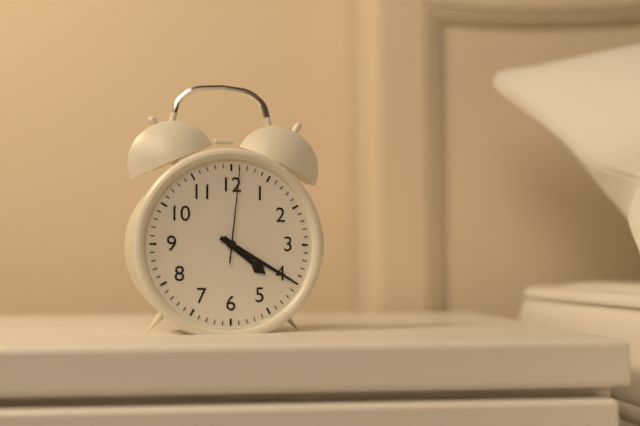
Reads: 4:20:01
